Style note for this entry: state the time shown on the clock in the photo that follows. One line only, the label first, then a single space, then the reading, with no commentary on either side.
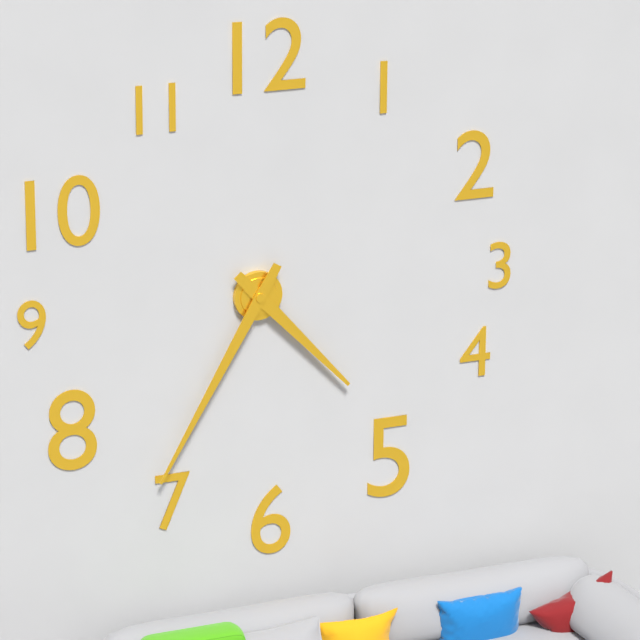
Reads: 4:35
